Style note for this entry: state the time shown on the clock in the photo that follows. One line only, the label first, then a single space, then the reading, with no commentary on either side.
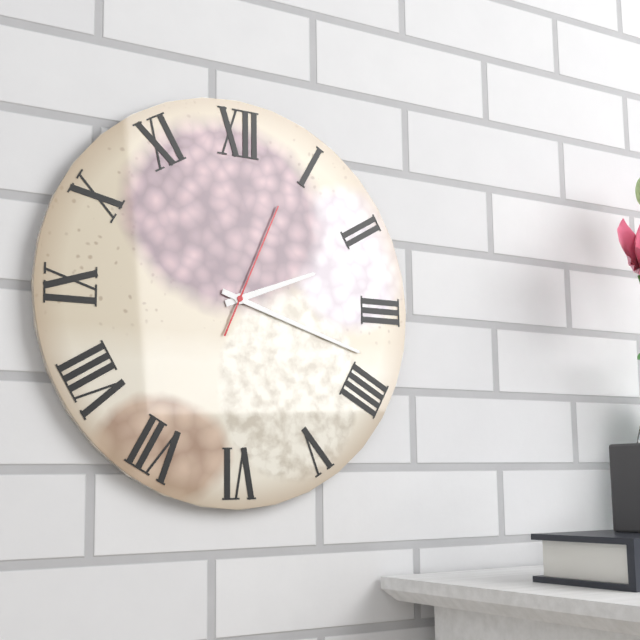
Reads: 2:18:04
